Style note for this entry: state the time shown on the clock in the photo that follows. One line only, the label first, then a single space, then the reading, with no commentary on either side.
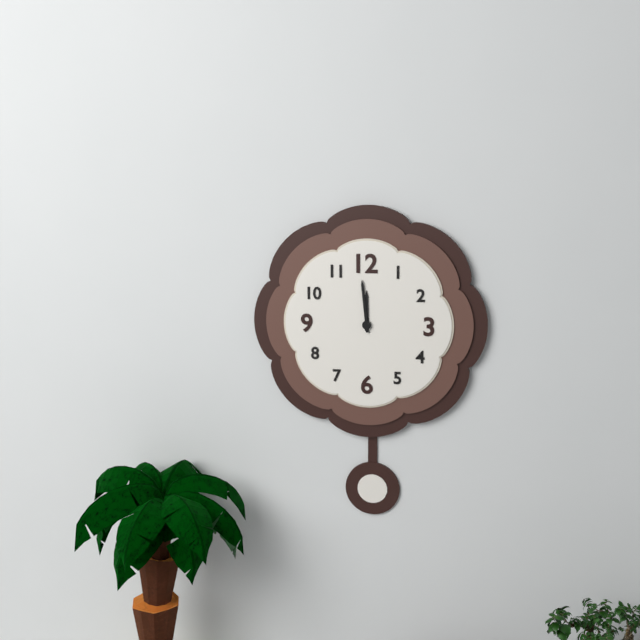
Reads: 11:59
